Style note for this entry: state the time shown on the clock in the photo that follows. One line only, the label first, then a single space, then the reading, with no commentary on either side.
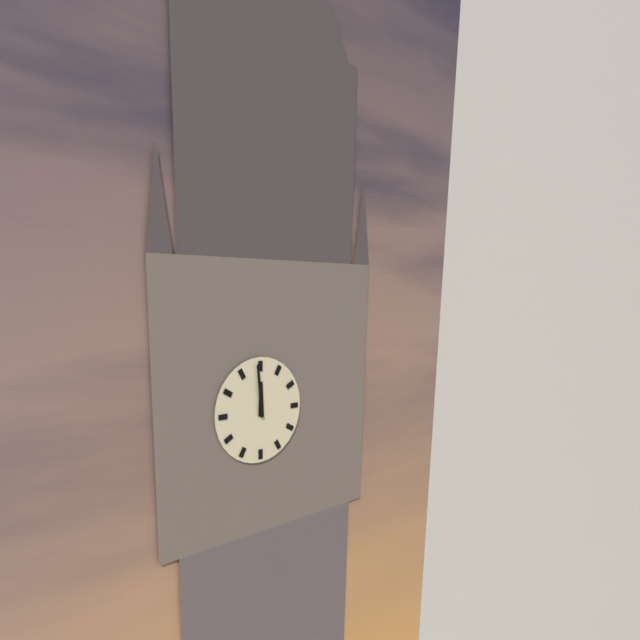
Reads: 11:59
